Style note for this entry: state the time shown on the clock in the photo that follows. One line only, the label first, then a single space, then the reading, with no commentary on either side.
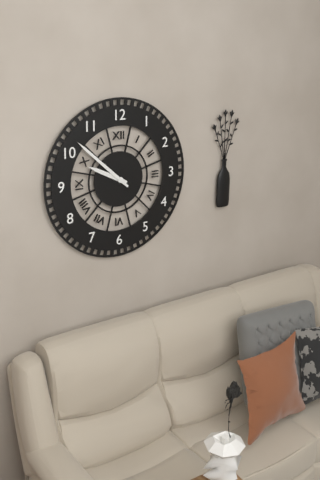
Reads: 9:52
